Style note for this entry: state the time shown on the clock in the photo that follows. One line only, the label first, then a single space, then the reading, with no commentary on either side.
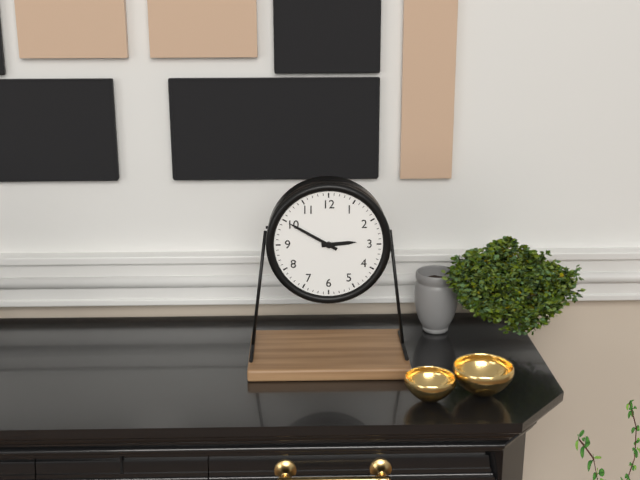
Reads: 2:50
